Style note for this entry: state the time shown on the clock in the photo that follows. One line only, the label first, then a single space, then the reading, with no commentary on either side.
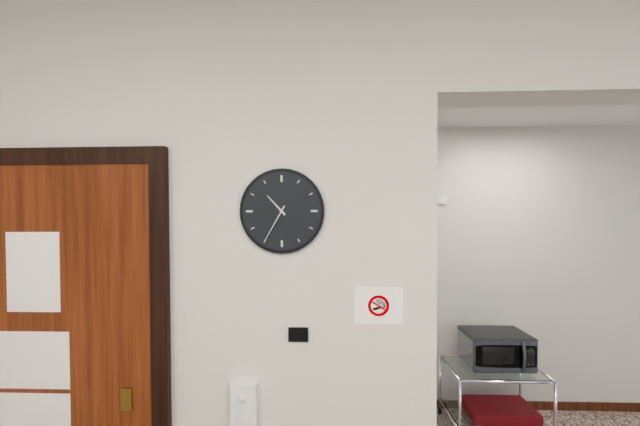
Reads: 10:35
